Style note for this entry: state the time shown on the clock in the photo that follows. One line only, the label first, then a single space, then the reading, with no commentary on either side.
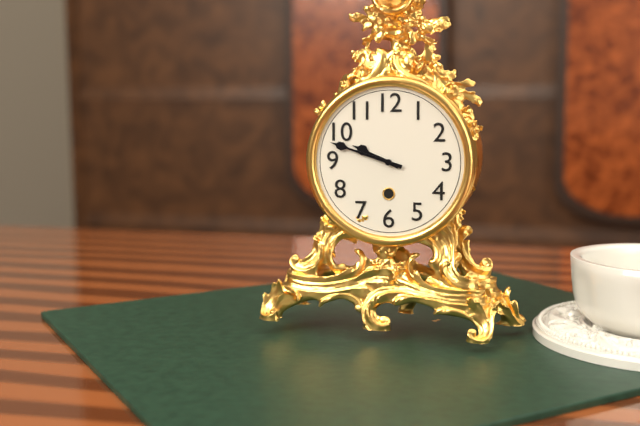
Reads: 9:48
